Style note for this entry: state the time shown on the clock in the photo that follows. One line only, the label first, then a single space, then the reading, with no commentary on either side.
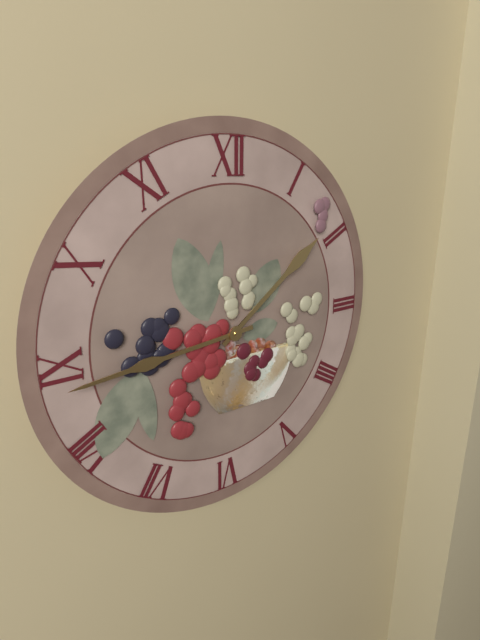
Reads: 1:44
